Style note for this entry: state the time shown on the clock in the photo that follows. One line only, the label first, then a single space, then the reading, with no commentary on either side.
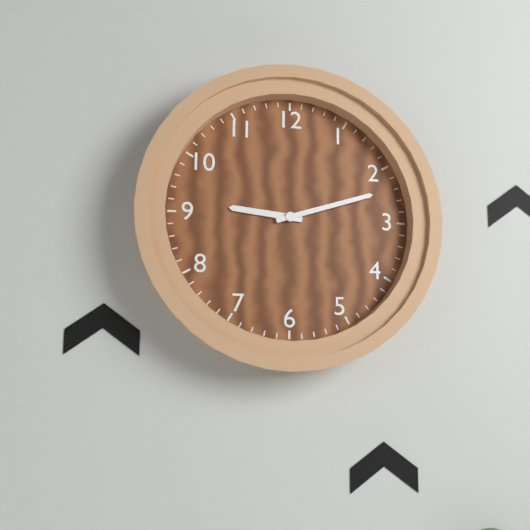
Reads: 9:12
